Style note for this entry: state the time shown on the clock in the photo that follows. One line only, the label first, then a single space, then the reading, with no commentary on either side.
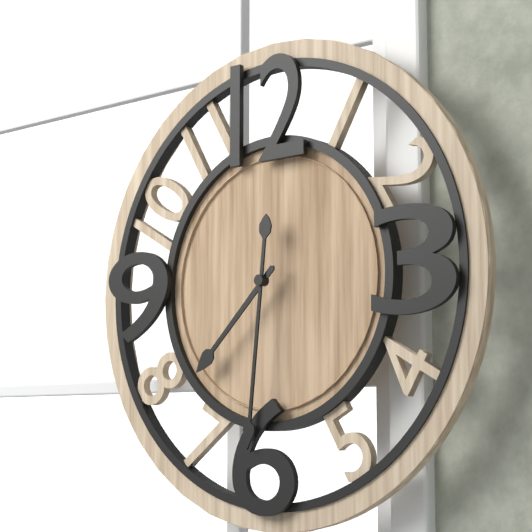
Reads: 7:31
